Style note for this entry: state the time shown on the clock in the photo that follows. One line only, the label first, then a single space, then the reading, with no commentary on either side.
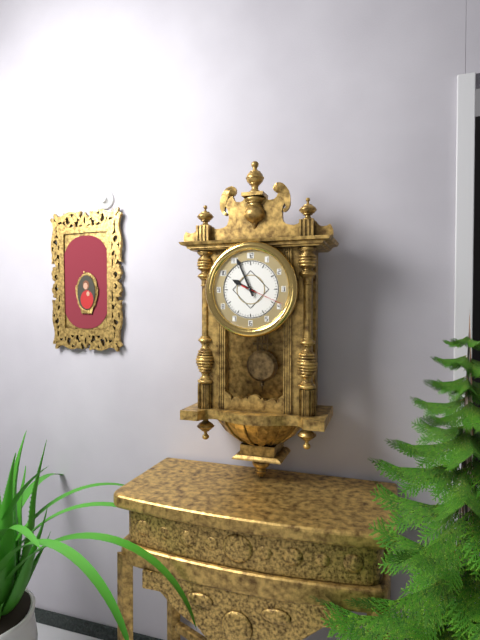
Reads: 9:56
